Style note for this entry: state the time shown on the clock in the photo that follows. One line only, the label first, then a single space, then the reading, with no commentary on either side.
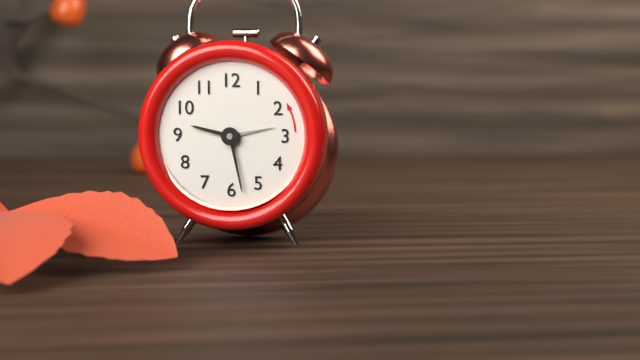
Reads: 9:28:13
